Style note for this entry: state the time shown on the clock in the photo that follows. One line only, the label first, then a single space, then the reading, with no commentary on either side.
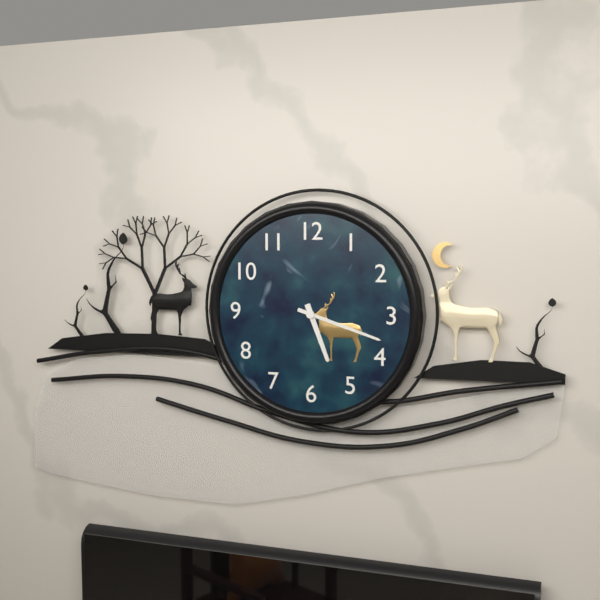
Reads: 5:18
